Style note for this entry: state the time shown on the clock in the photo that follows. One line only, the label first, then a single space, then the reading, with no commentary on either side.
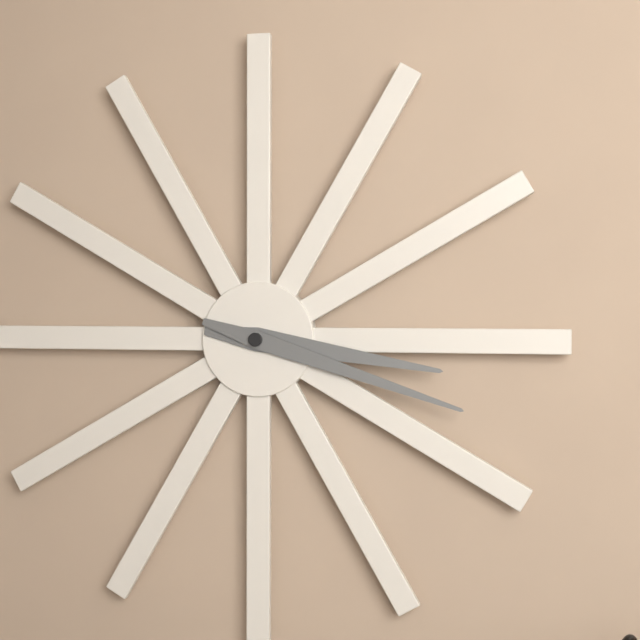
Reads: 3:18
